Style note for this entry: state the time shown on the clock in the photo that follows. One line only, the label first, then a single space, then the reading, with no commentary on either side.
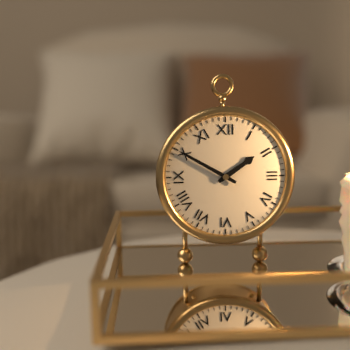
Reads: 1:50
